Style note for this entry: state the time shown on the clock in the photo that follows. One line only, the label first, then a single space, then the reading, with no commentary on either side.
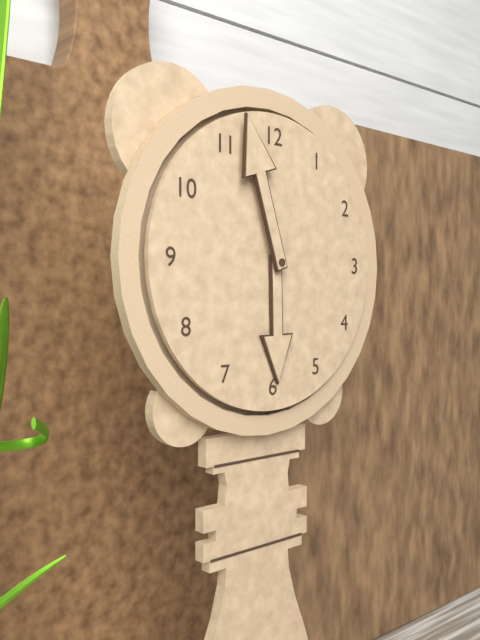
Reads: 5:57
